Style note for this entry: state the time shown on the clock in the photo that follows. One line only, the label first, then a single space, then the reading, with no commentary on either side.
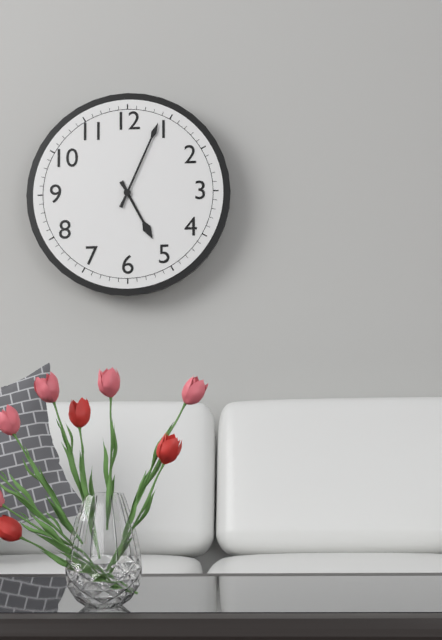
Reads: 5:04
